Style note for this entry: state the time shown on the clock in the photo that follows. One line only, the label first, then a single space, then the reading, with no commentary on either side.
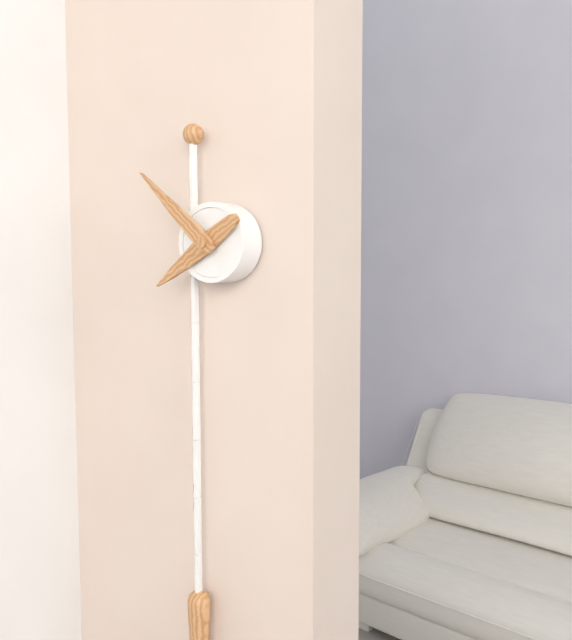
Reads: 7:52
